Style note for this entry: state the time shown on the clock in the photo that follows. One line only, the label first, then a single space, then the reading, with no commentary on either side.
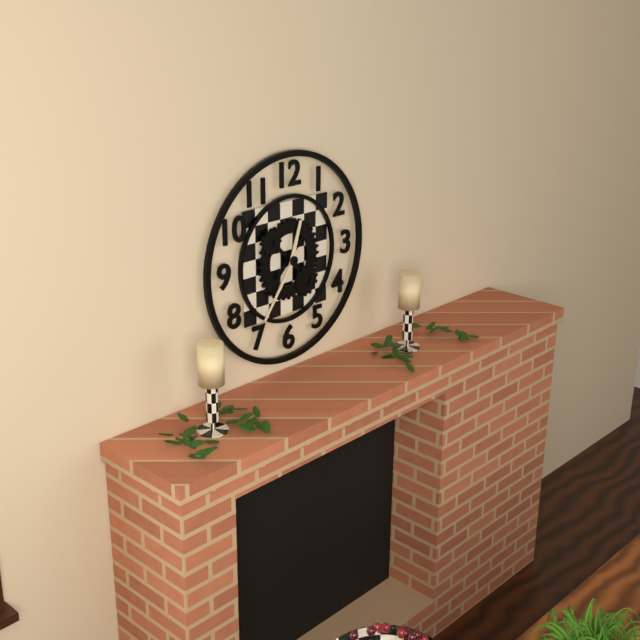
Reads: 12:36
